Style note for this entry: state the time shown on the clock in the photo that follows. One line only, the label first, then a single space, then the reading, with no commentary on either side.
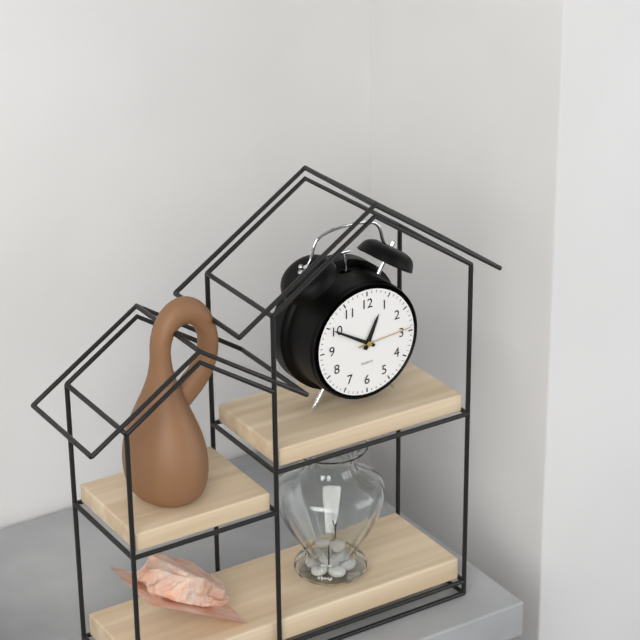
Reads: 12:50:14
